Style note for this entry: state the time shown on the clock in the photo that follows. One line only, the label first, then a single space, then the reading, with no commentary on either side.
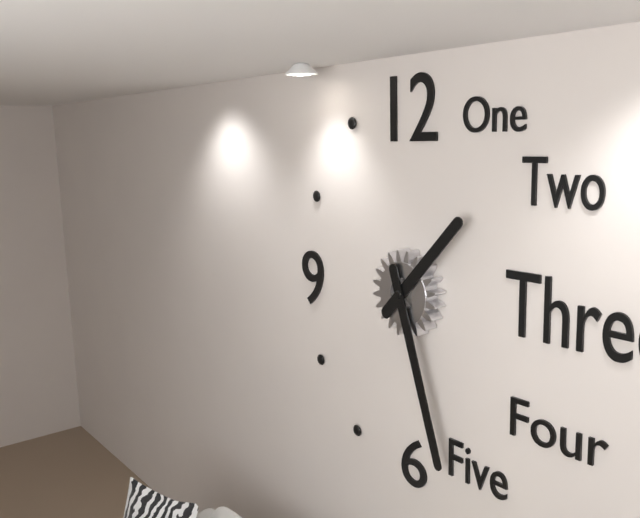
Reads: 1:27
